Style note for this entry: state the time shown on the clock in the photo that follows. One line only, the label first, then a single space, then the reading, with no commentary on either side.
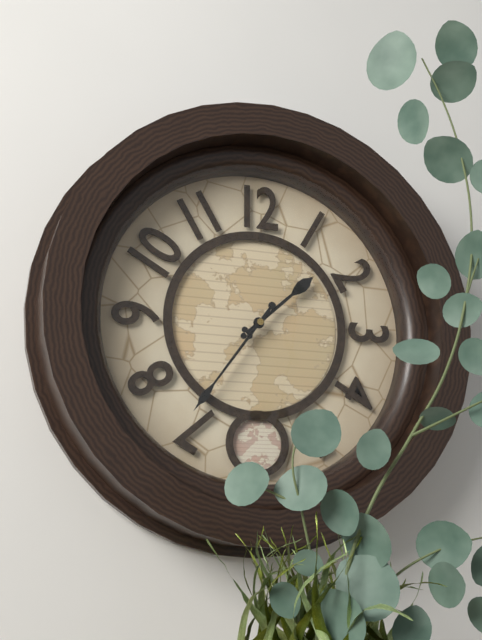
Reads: 1:36
